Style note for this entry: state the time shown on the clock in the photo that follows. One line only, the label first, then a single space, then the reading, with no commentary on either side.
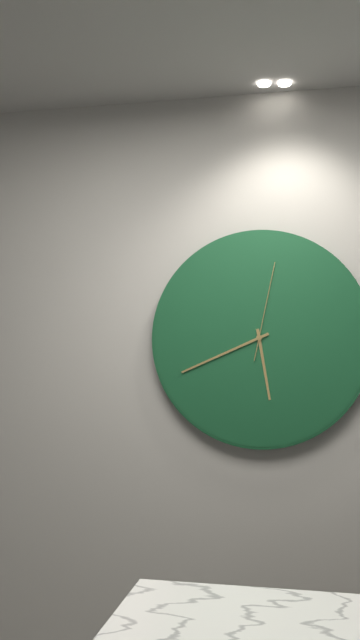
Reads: 5:41:02
